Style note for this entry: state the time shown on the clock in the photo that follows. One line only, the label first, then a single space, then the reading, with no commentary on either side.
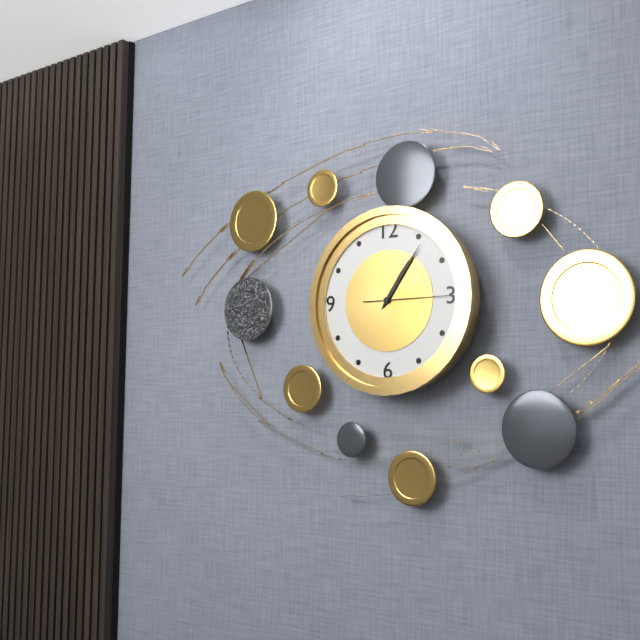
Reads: 1:06:15
